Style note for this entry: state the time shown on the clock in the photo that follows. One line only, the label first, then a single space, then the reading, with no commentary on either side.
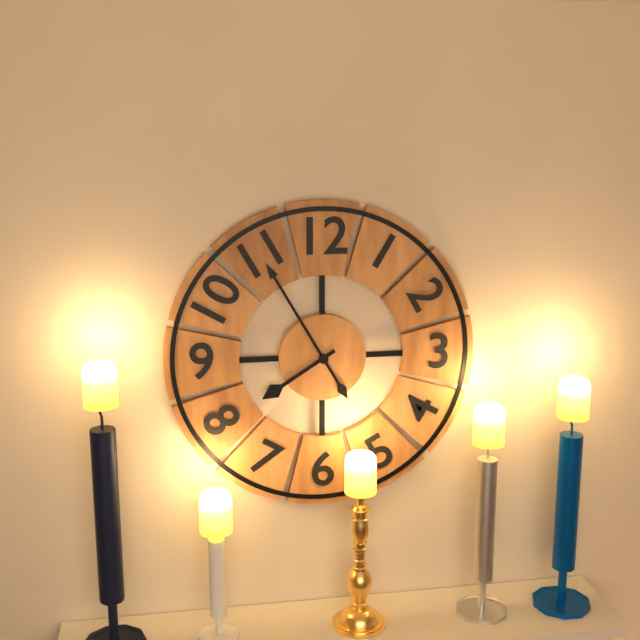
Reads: 7:55
